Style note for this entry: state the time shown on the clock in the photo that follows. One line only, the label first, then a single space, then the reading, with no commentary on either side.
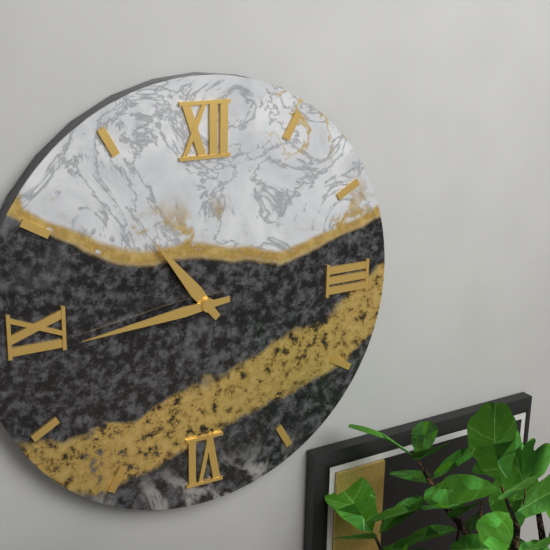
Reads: 10:44
